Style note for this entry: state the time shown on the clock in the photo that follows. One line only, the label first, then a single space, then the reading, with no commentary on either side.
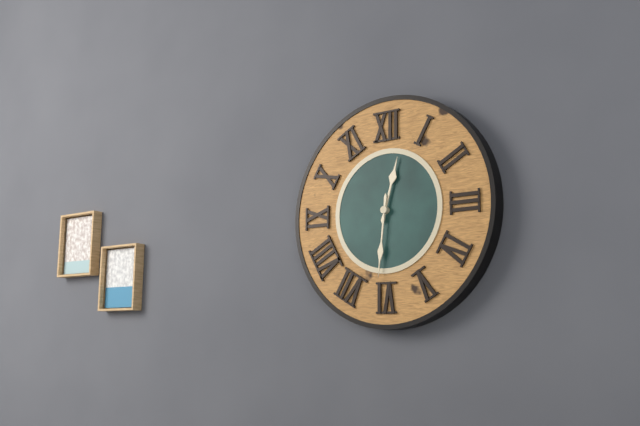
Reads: 12:31
